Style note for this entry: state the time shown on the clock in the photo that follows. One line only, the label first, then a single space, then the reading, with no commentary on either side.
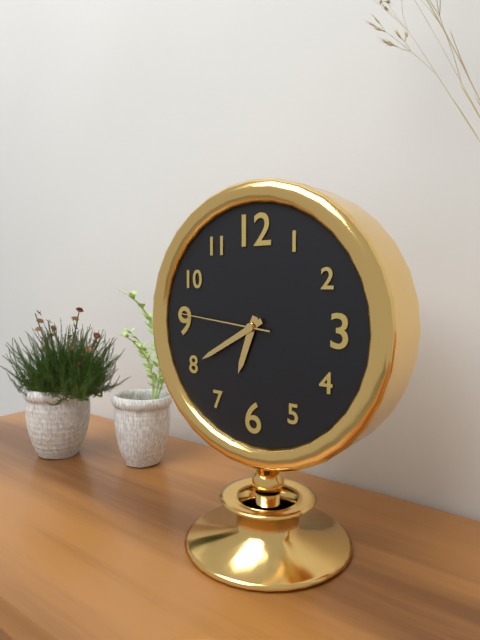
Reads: 6:40:46
